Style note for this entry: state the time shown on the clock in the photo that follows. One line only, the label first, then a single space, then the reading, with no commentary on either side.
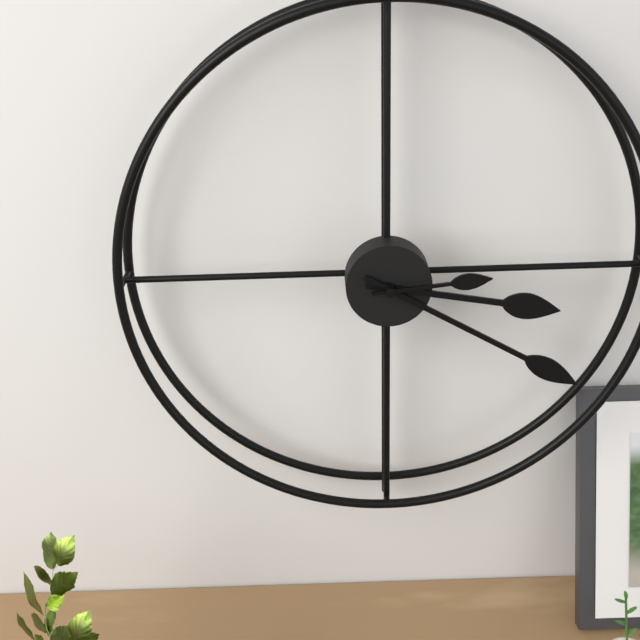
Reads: 3:20:14
